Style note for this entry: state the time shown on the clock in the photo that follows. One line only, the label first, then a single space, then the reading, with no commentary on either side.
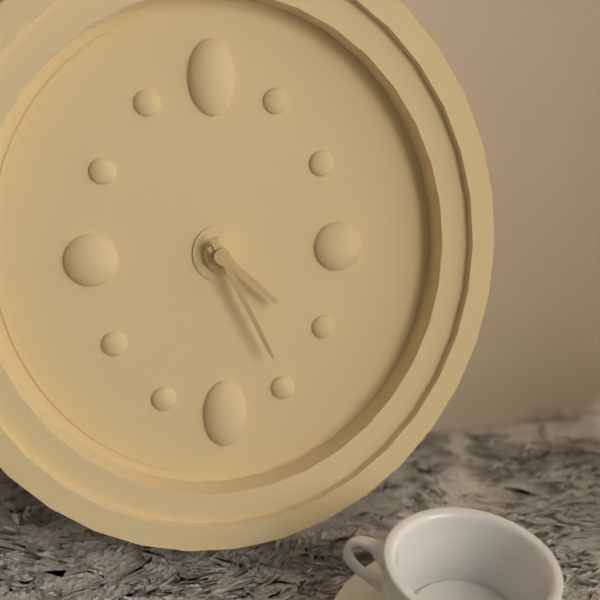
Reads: 4:26
